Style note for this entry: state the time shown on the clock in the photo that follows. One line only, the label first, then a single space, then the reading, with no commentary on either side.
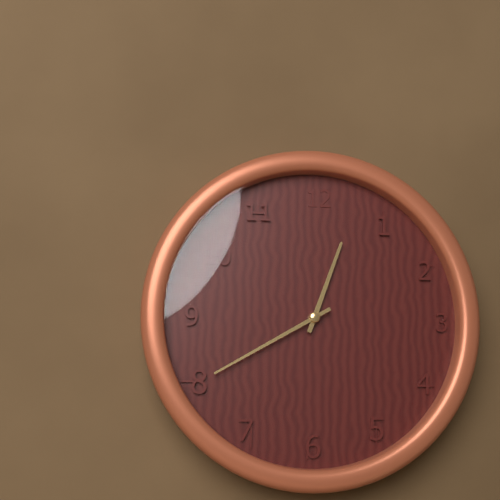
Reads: 12:40
